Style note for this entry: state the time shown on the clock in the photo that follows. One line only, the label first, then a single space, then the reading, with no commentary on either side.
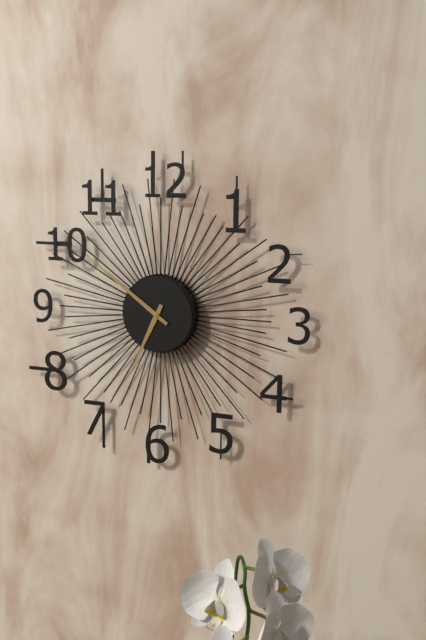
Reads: 6:51
